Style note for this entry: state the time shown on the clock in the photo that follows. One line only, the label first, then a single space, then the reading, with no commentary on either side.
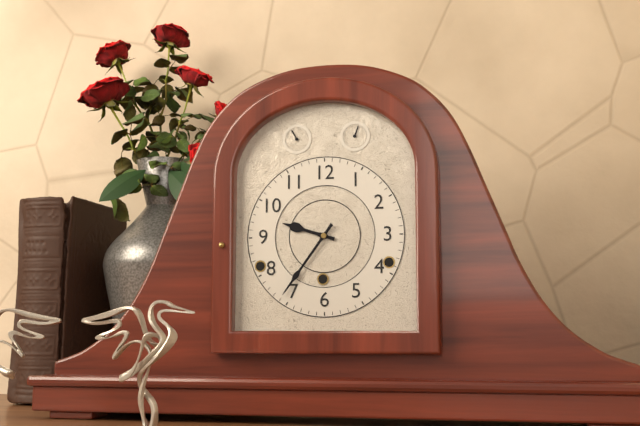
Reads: 9:36
